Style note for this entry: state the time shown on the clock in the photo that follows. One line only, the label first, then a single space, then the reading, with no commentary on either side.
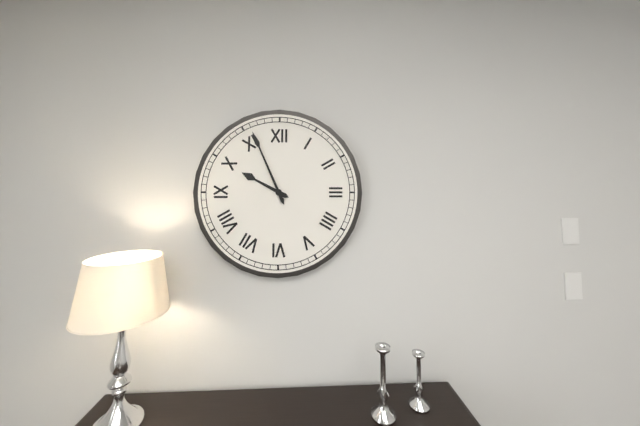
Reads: 9:56
